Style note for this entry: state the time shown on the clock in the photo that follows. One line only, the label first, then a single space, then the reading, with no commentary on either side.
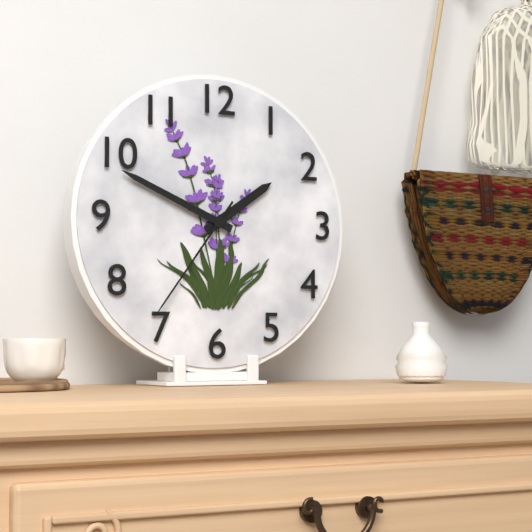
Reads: 1:49:36
